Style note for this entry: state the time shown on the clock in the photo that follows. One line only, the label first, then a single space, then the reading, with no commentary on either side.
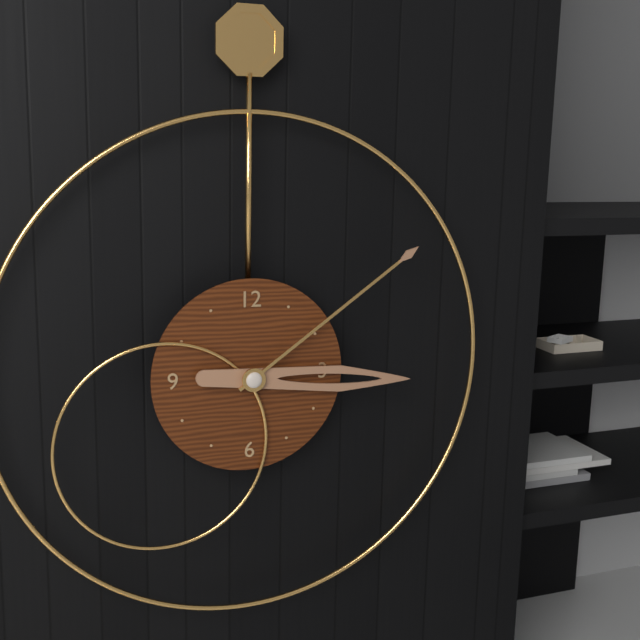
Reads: 3:09
